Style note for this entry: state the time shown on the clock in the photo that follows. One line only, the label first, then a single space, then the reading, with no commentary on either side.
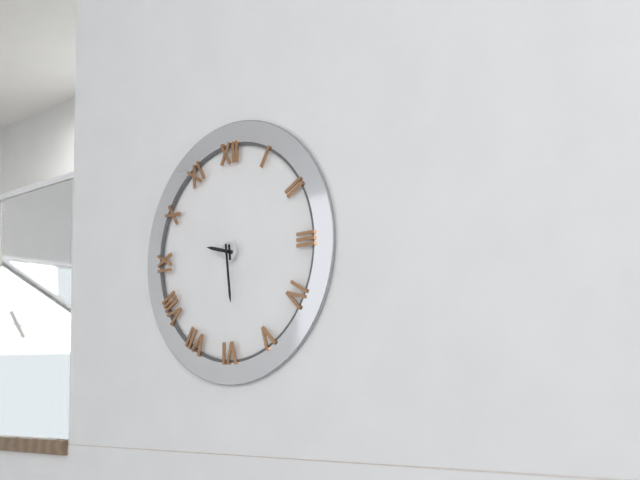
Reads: 9:29
